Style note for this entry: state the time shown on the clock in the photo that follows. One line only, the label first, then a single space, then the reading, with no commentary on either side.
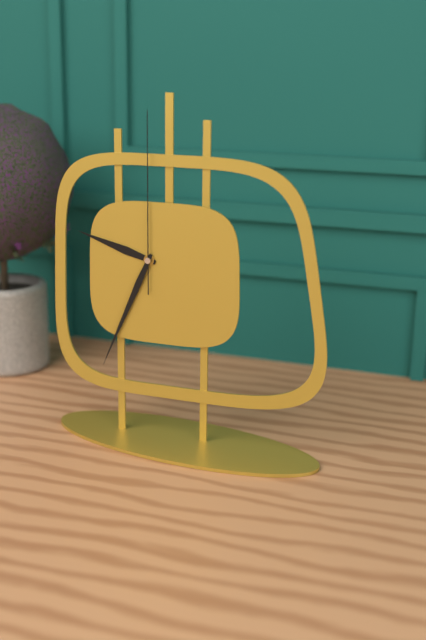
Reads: 9:34:00
